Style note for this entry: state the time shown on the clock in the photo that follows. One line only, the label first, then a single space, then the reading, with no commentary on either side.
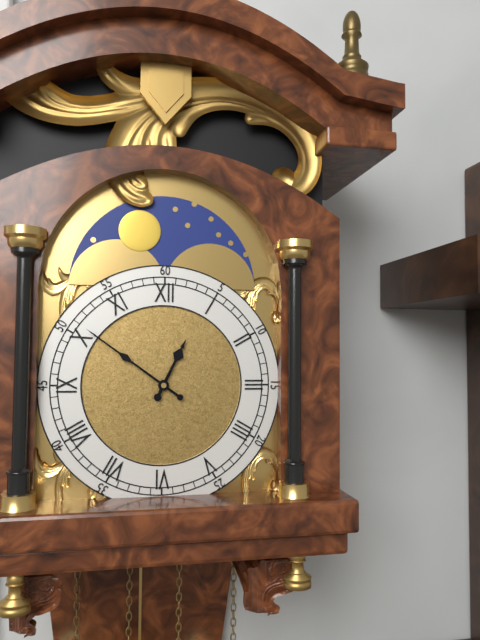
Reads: 12:51
